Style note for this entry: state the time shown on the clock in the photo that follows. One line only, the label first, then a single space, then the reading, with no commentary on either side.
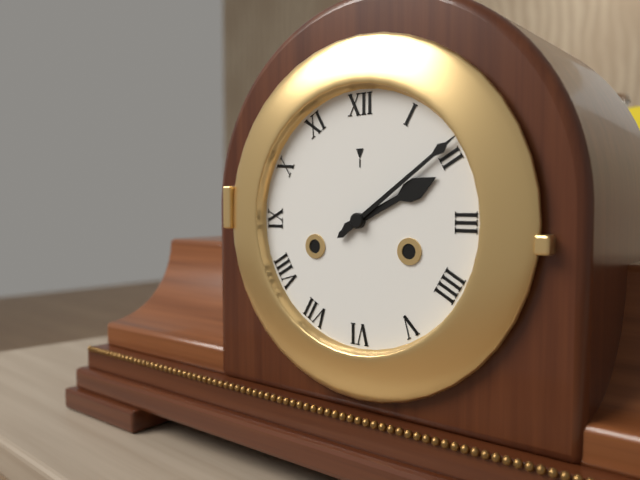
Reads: 2:09
